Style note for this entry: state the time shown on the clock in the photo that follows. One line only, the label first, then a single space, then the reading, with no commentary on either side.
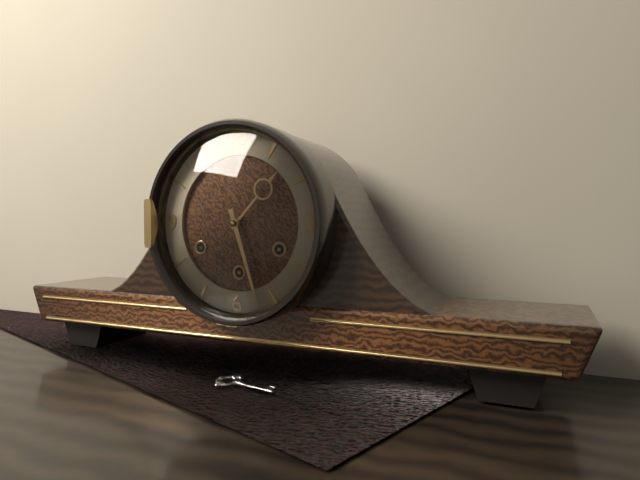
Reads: 1:27
